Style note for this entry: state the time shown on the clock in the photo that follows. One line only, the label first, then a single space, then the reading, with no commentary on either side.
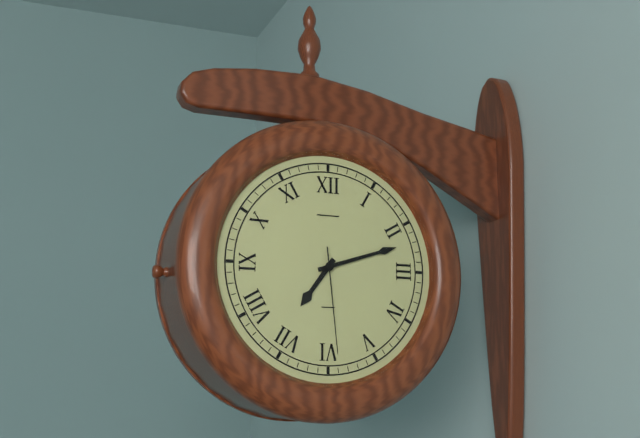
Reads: 7:12:29
